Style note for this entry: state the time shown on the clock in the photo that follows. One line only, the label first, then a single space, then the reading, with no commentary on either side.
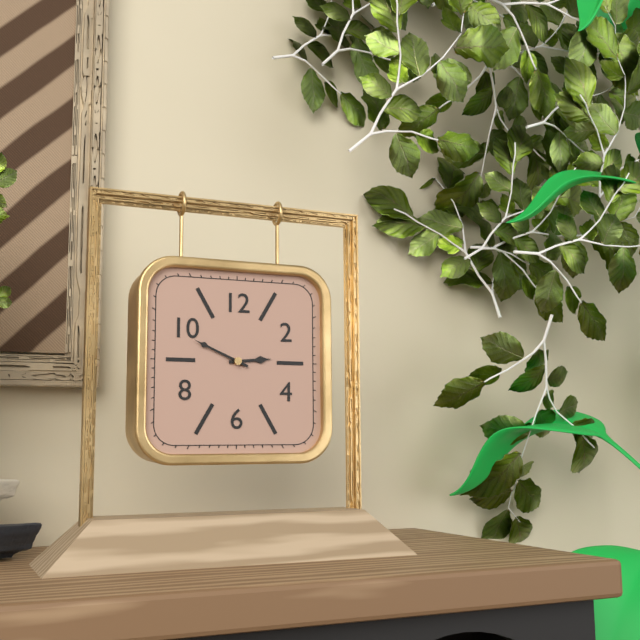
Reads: 2:49
